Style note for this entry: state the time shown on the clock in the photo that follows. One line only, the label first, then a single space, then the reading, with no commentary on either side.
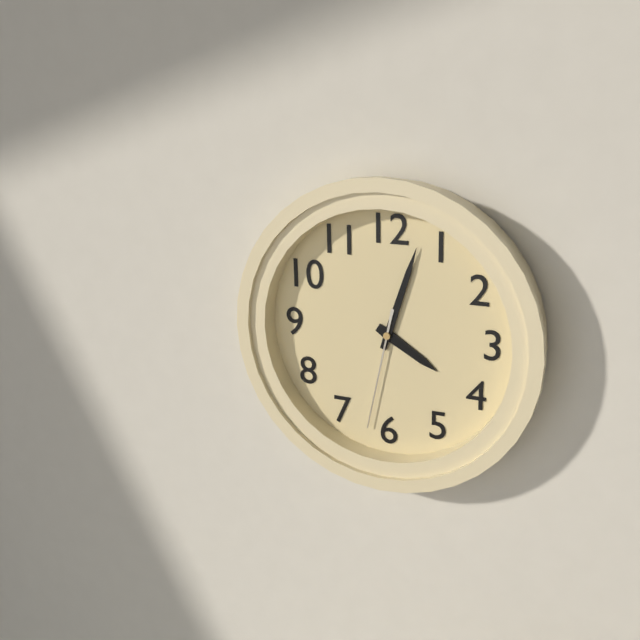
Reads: 4:03:32
